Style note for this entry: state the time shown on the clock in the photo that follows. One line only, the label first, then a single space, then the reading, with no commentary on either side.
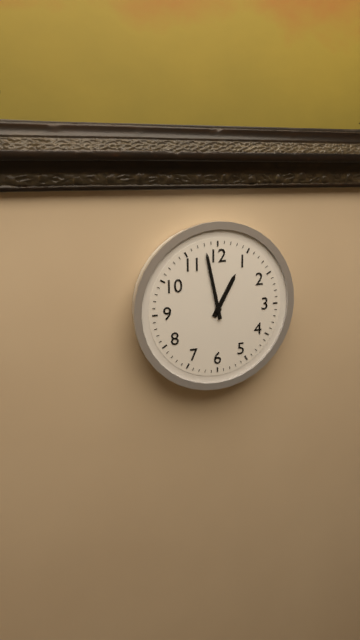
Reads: 12:58
